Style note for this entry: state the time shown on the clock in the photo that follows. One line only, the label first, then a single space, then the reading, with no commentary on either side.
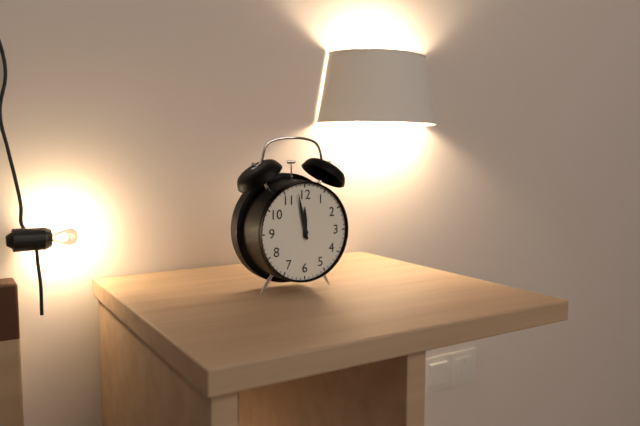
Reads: 11:58
